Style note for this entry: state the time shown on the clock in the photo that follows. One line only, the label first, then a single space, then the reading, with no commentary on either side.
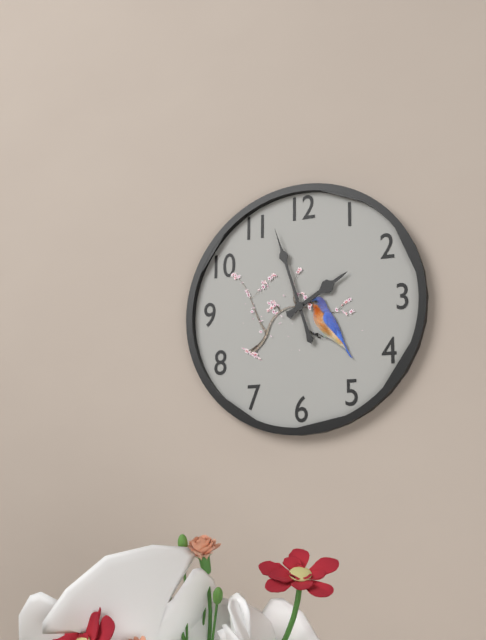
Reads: 1:57
